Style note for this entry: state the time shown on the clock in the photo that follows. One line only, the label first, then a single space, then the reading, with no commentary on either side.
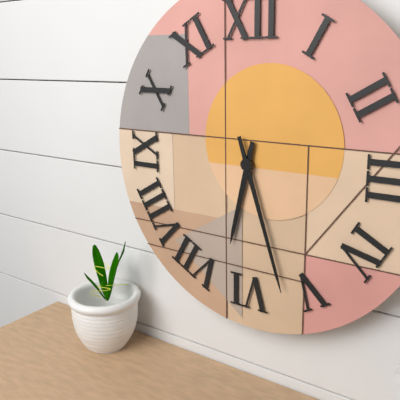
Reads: 6:27
